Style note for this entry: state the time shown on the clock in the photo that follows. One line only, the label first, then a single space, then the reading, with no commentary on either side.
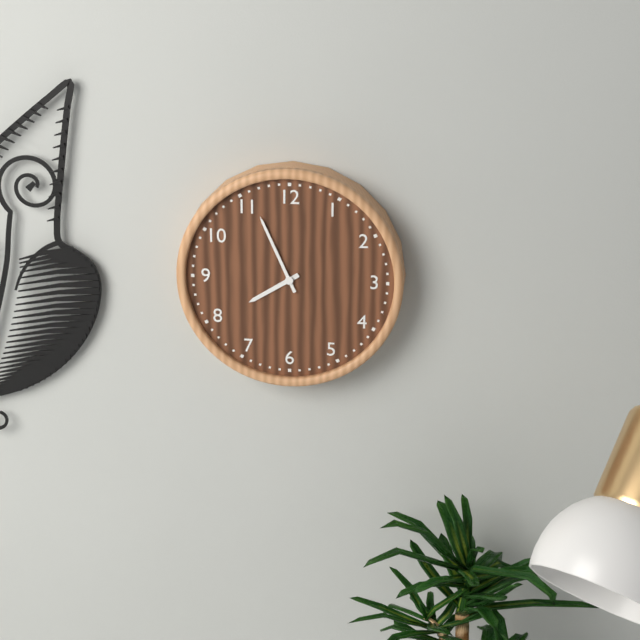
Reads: 7:56
